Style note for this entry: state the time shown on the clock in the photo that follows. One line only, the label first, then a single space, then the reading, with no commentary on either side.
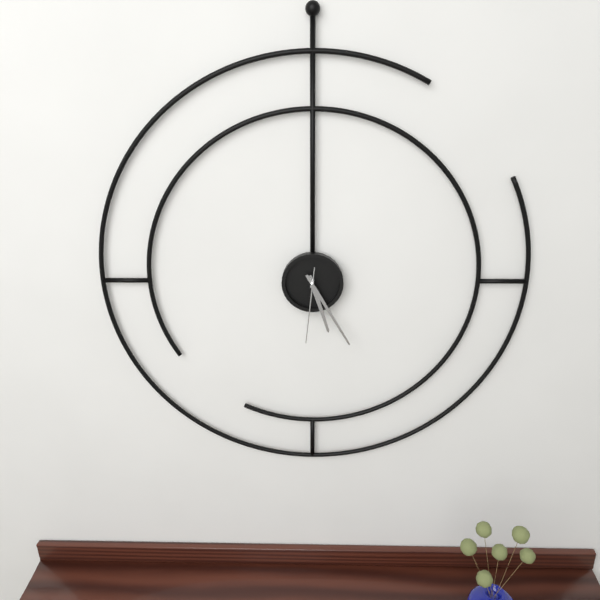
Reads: 5:25:31
